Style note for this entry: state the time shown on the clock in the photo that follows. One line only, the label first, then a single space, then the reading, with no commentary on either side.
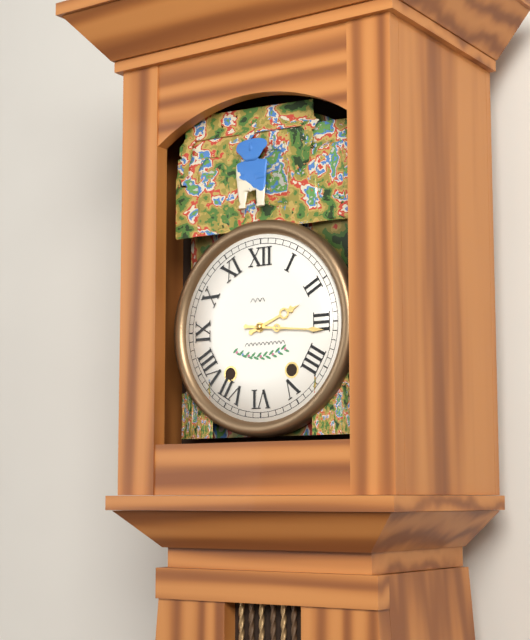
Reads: 2:16
